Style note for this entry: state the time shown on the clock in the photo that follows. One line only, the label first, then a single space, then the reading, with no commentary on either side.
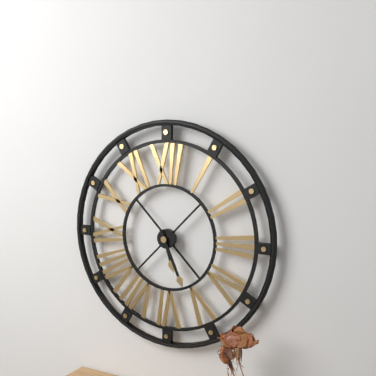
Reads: 5:26
